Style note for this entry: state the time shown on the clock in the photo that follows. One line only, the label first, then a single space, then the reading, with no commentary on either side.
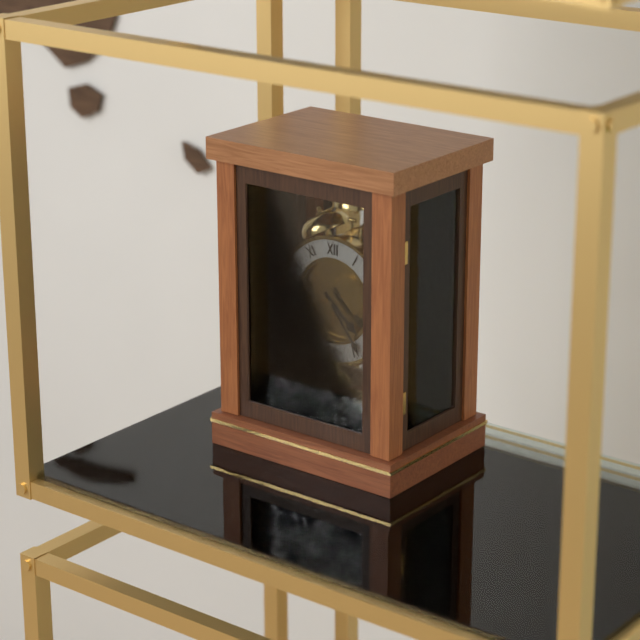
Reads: 4:24
